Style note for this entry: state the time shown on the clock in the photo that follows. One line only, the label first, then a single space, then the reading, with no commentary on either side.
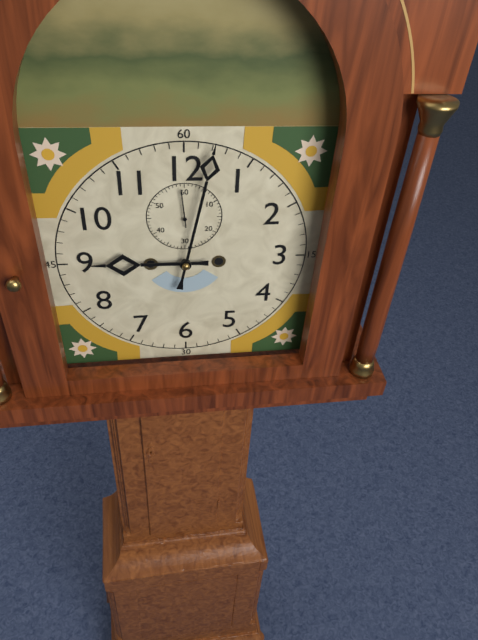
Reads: 9:02
